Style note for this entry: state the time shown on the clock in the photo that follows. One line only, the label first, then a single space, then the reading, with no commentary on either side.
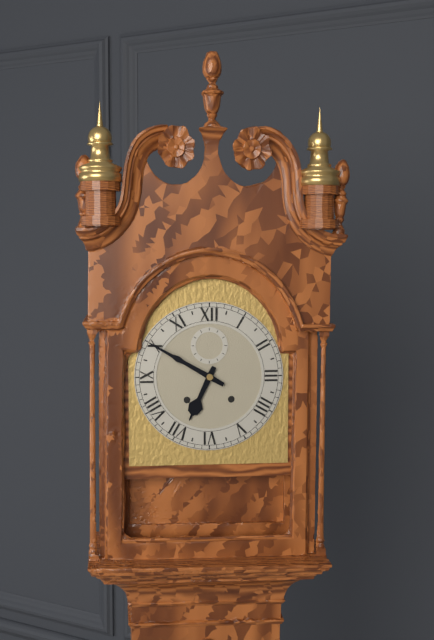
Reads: 6:50
